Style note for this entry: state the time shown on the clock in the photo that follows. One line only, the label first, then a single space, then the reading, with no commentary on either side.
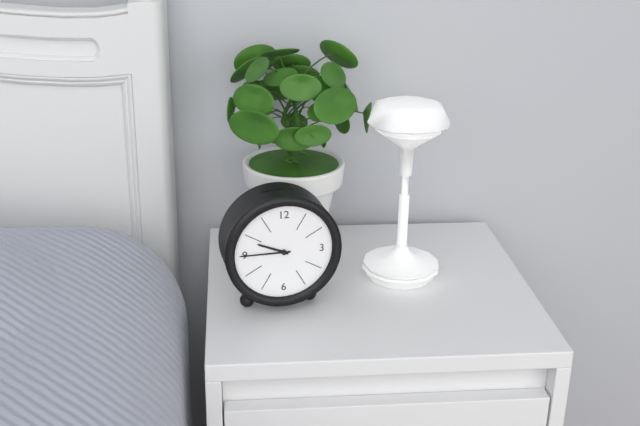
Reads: 9:45
